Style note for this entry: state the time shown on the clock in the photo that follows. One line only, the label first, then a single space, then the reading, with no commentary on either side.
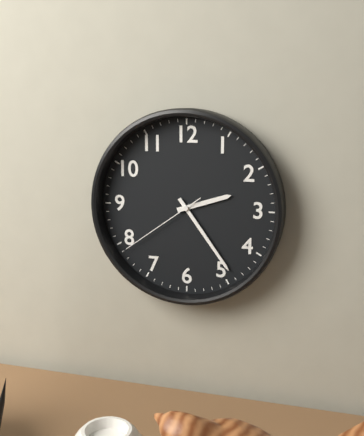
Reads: 2:24:39
